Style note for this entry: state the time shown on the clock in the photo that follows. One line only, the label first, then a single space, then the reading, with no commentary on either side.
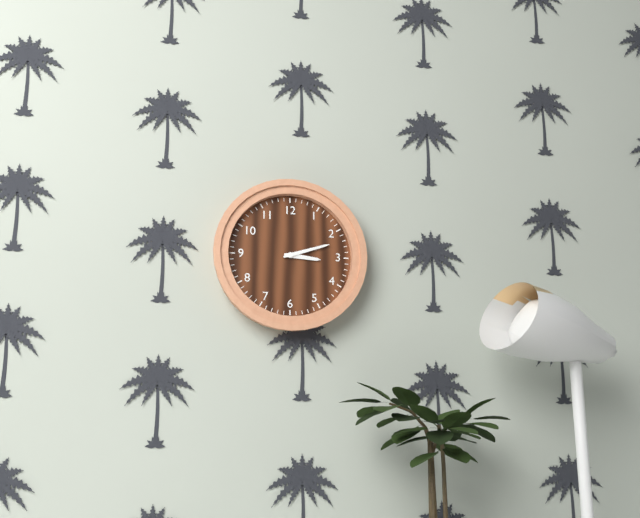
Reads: 3:12
